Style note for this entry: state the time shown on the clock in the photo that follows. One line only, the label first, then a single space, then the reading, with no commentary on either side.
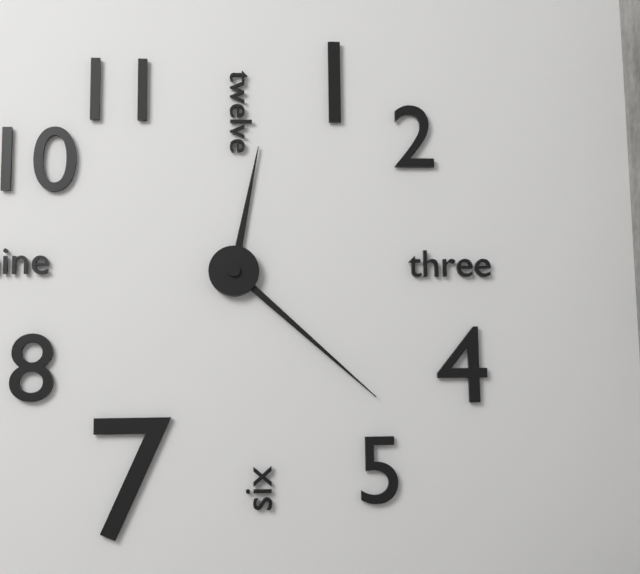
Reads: 12:22
